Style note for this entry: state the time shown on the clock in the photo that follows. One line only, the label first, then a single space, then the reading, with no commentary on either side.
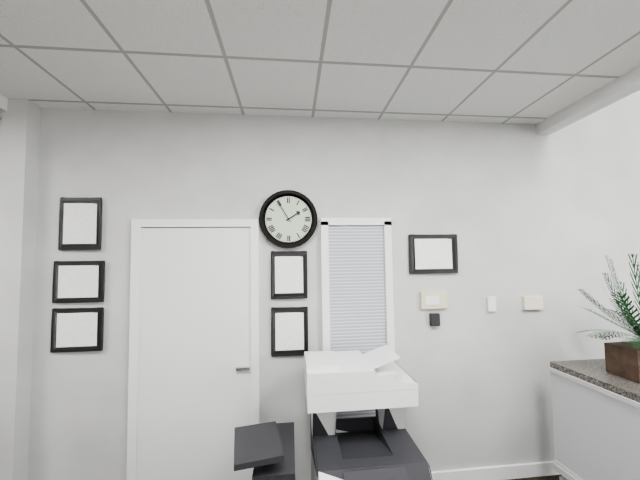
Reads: 1:55
